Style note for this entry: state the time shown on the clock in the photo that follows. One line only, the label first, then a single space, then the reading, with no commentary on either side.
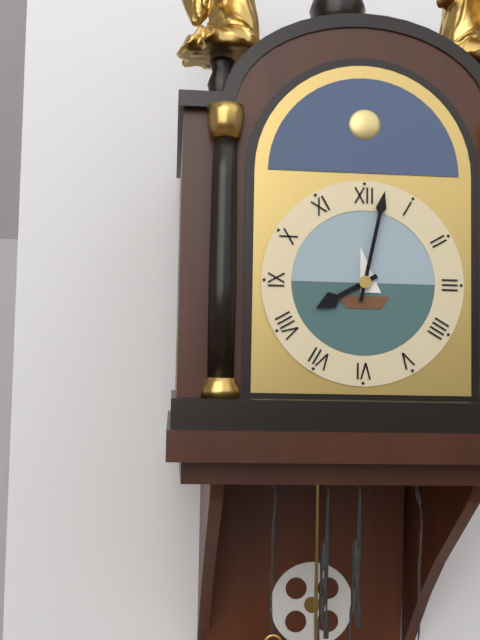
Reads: 8:02
